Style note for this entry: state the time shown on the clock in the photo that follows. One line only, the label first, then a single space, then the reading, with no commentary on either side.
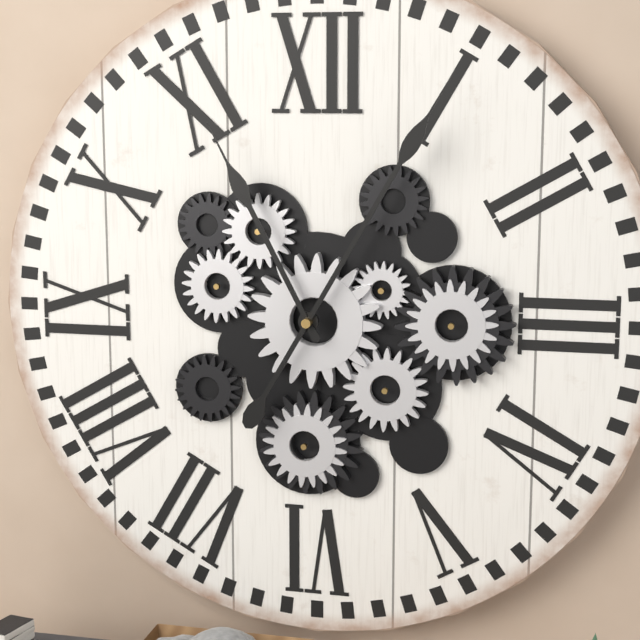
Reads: 11:05
